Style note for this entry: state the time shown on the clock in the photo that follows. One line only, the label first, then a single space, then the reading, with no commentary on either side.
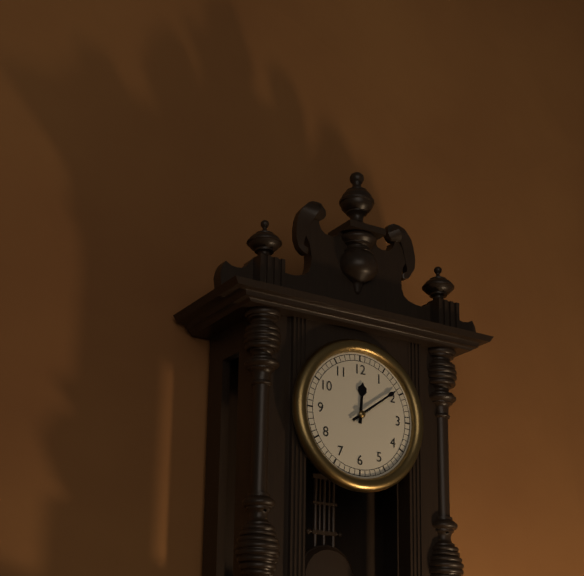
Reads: 12:09
